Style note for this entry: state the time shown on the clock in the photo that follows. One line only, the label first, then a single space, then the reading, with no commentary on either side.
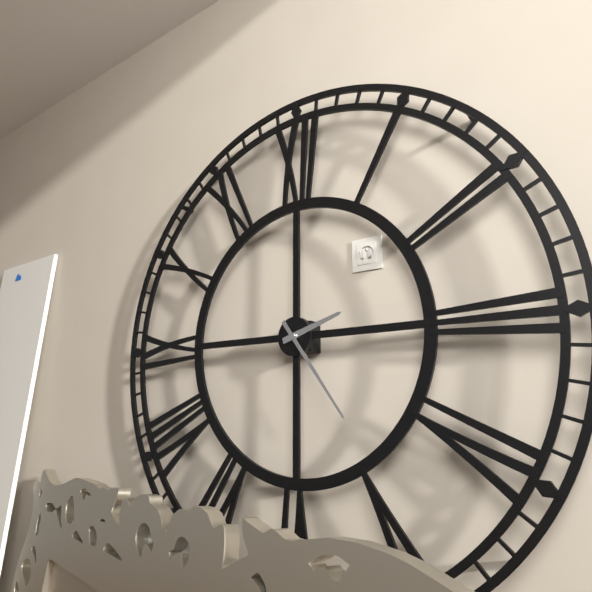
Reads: 2:24
